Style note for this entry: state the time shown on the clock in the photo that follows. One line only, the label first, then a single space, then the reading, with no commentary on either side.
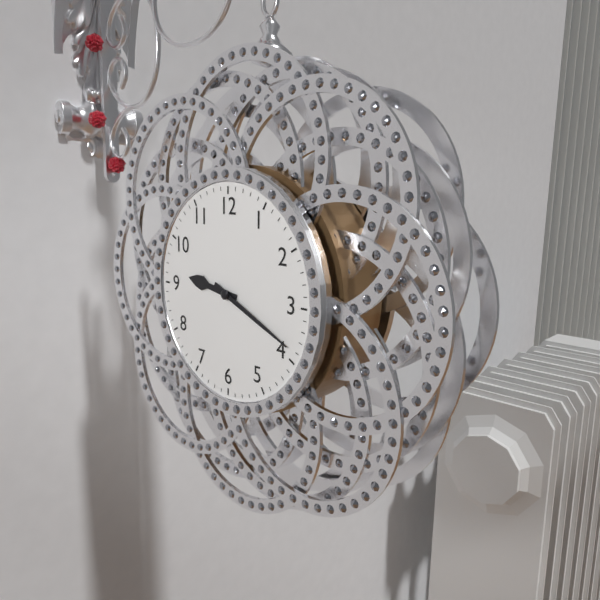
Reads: 9:19
